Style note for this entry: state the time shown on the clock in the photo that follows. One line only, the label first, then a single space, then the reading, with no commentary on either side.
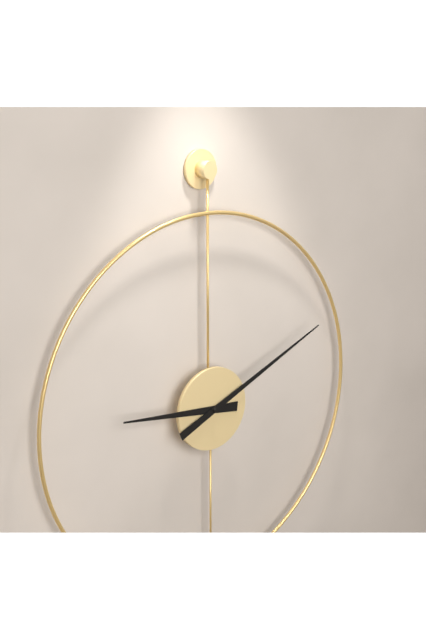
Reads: 9:11
